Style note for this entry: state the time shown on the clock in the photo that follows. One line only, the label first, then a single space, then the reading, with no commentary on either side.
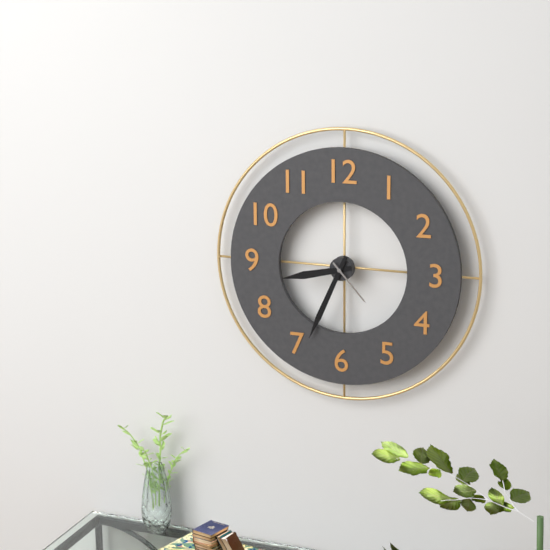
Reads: 8:34:23
